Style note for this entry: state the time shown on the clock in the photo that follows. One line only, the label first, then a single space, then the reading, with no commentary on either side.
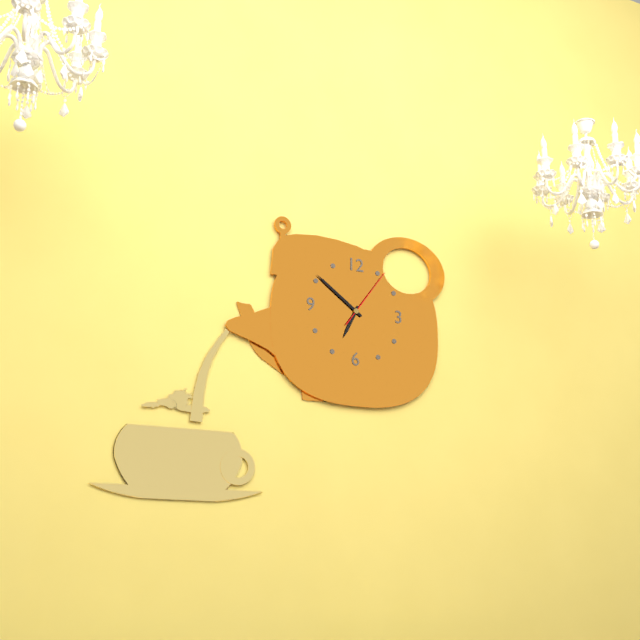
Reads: 6:51:06
